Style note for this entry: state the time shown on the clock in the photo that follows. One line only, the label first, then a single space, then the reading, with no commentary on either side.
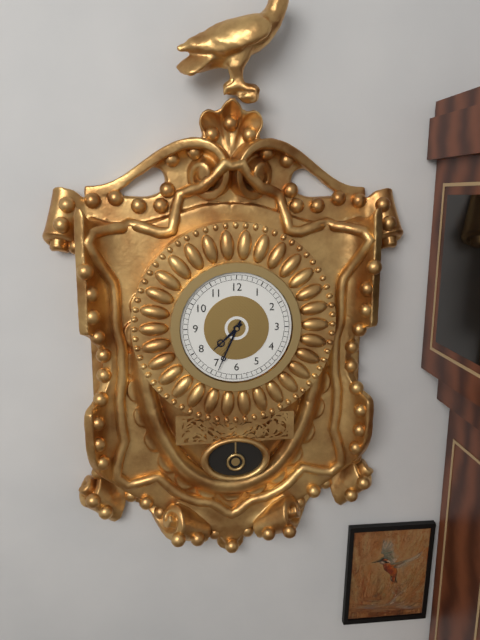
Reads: 7:34
